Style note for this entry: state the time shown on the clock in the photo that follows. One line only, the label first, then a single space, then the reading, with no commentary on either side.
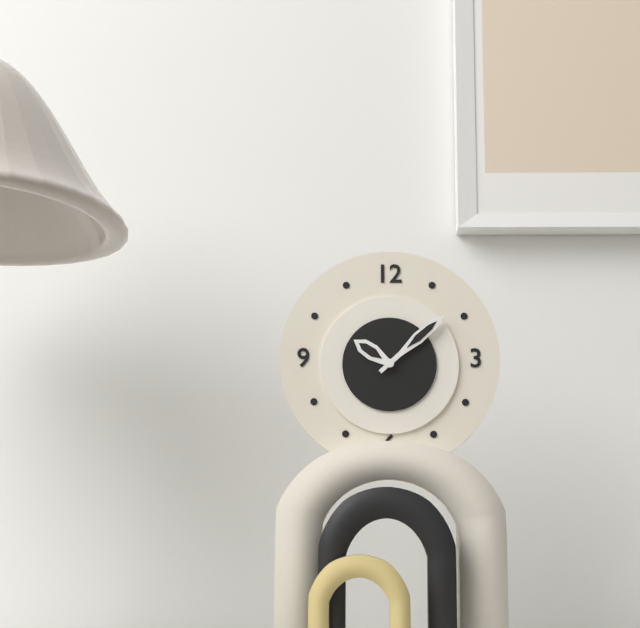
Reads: 10:08
